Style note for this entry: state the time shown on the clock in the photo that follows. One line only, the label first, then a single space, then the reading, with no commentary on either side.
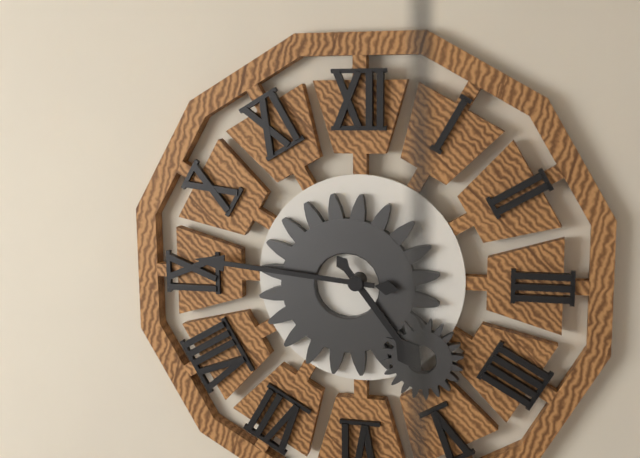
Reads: 4:46
